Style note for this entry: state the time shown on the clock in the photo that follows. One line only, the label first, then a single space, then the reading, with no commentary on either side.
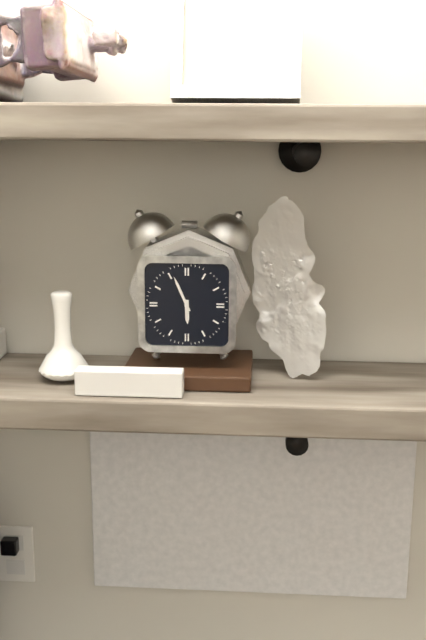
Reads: 5:56
